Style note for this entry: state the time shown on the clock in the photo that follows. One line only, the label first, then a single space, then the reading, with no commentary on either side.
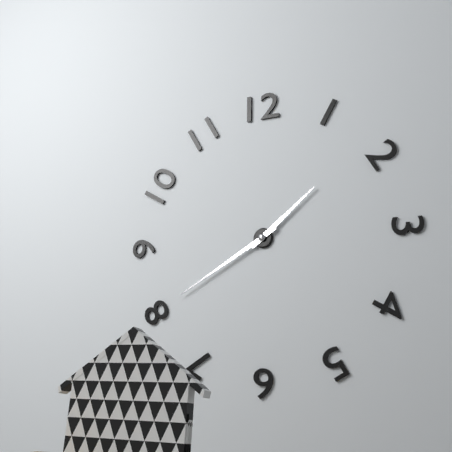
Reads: 1:40
